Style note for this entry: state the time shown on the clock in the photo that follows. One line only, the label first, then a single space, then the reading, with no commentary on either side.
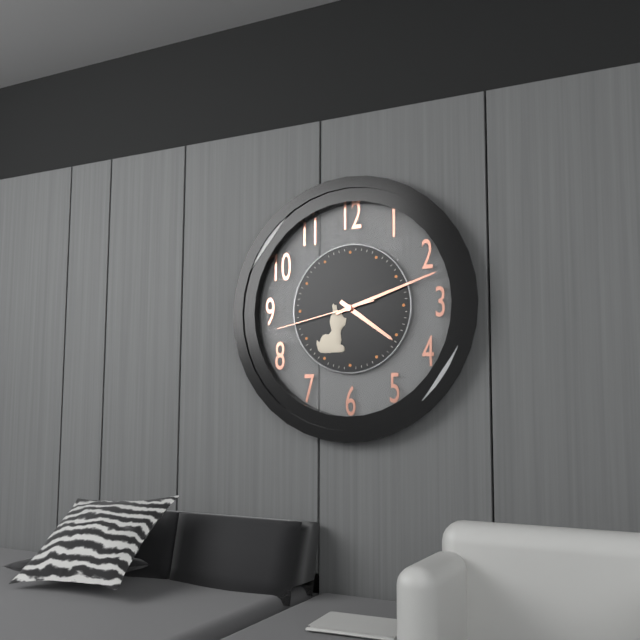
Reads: 4:12:43
